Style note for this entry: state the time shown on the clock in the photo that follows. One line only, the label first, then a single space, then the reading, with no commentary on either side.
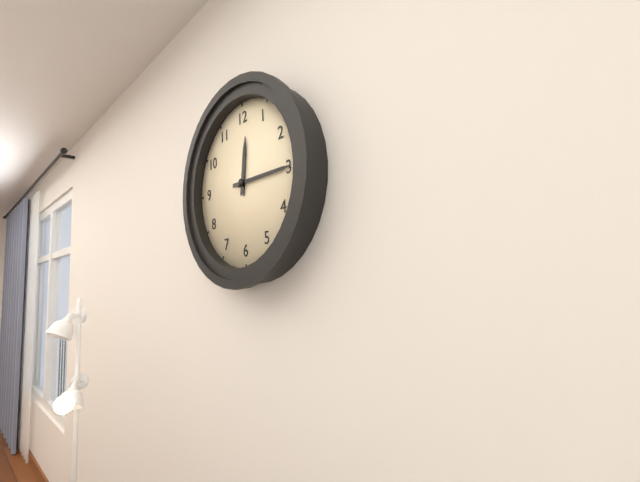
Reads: 12:15
